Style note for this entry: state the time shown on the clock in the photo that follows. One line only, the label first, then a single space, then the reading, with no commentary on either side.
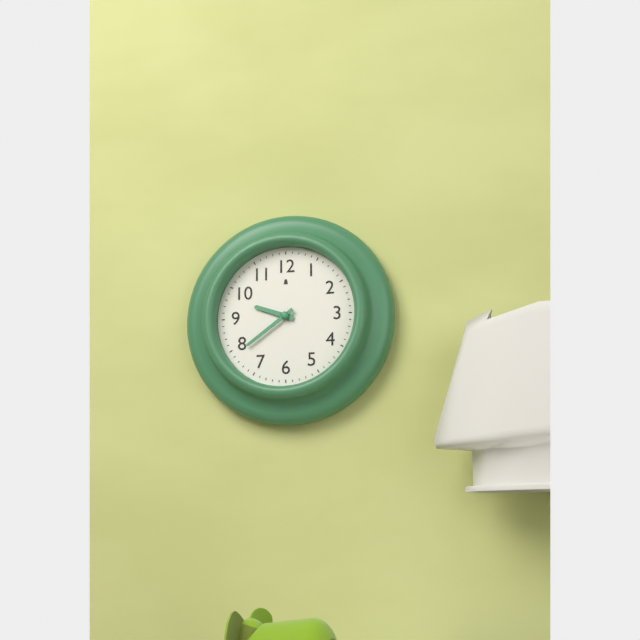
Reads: 9:39
